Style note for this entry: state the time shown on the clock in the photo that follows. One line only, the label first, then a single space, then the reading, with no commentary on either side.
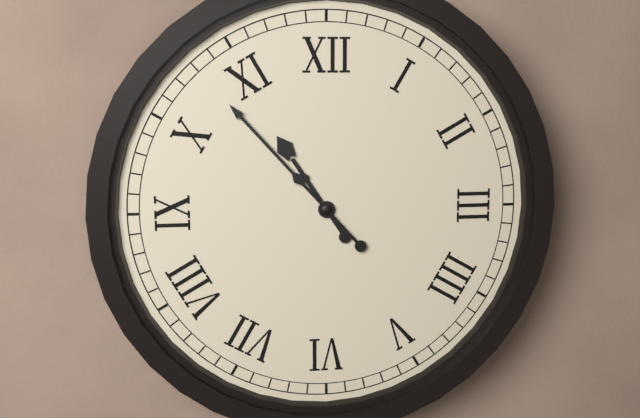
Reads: 10:53
